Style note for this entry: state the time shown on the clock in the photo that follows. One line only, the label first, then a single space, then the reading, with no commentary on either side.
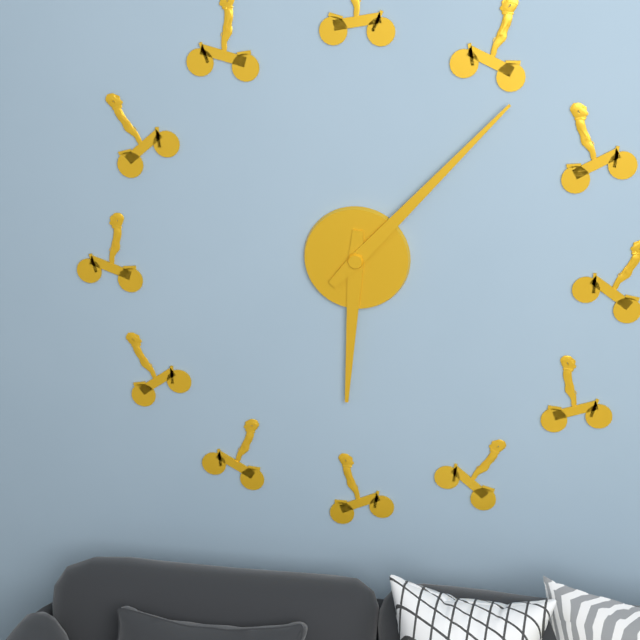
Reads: 6:07
